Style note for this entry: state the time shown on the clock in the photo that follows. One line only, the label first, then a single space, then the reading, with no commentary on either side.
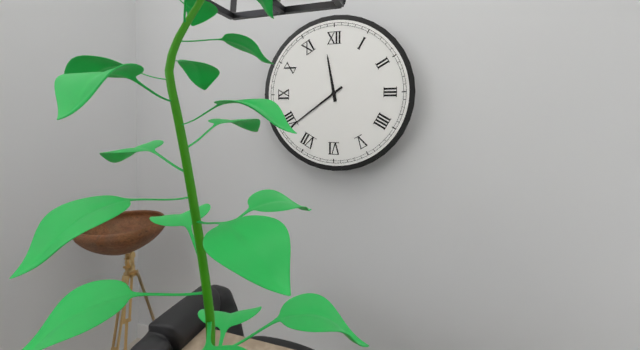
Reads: 11:39
